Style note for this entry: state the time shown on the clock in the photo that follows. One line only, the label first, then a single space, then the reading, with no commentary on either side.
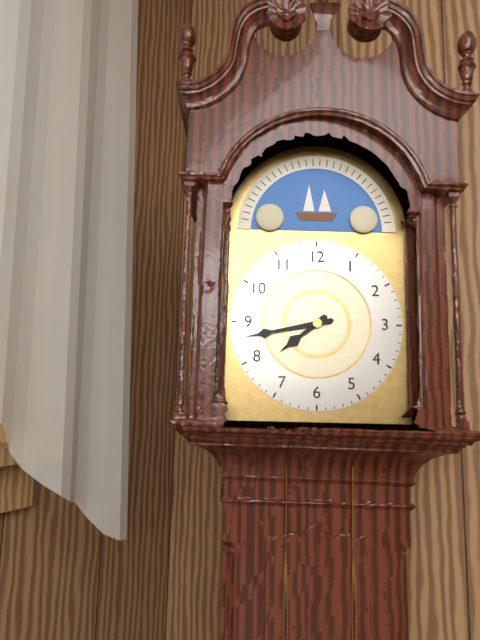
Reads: 7:43
